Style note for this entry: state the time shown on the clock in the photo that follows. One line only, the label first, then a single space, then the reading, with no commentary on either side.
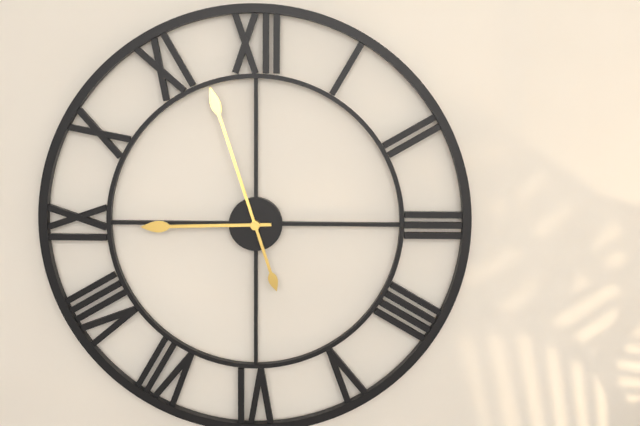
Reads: 8:57
